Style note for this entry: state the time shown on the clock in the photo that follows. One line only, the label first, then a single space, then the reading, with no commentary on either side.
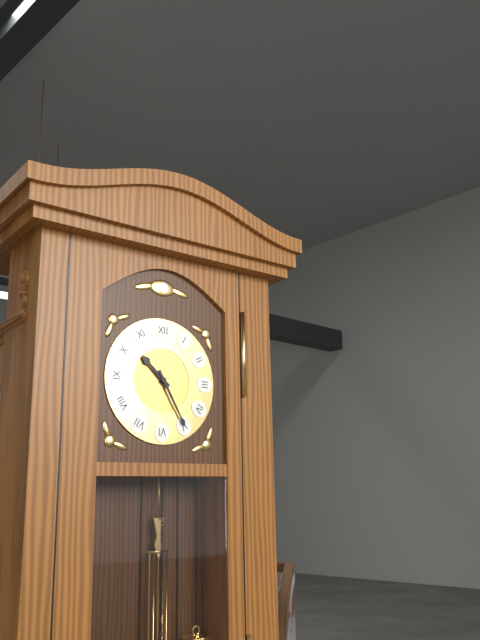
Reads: 10:25
